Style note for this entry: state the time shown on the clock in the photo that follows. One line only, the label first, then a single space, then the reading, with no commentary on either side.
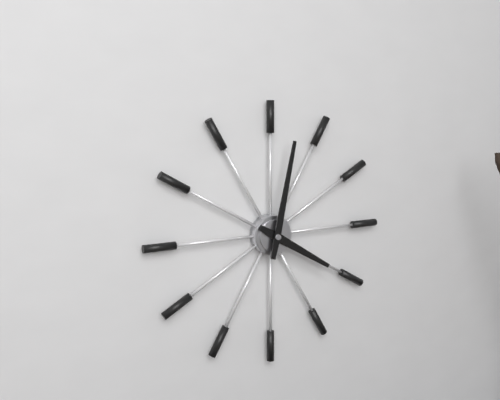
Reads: 4:02
